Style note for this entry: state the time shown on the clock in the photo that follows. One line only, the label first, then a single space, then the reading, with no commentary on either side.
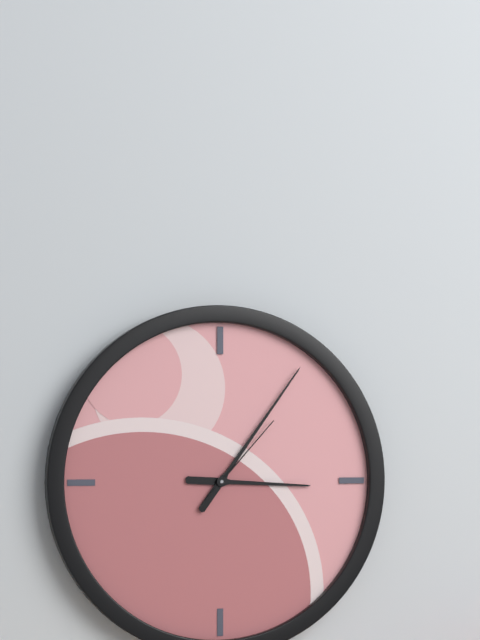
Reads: 3:06:07
